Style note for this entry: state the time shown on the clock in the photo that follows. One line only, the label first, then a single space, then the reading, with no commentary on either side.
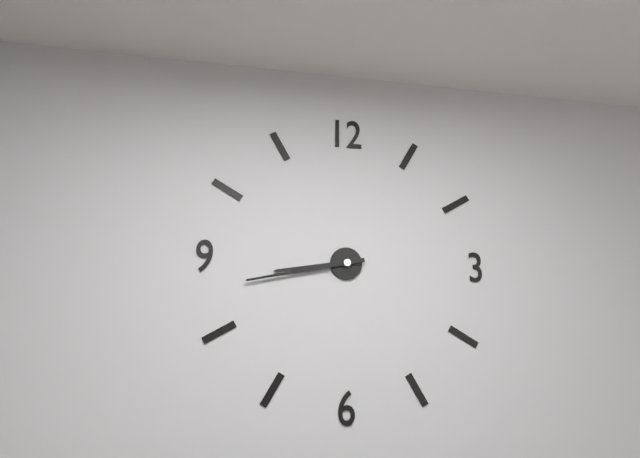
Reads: 8:43
